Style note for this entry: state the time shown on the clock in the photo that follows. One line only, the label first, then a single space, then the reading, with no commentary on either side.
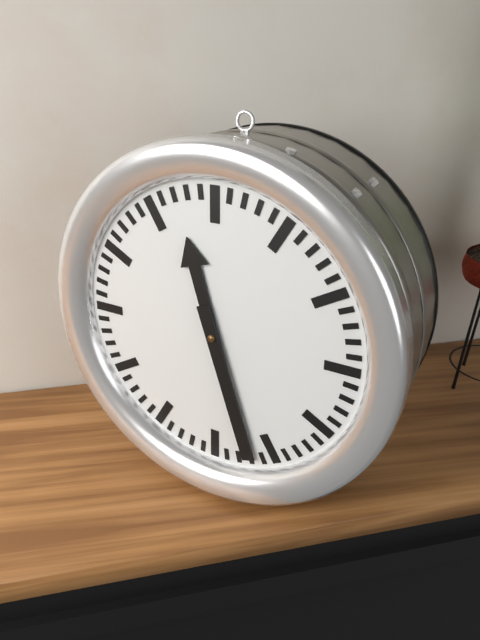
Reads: 11:27
